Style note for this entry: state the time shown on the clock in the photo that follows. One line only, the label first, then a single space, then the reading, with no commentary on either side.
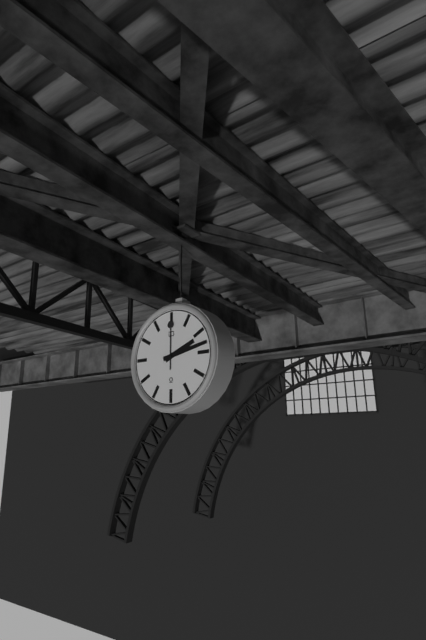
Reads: 2:13:00
